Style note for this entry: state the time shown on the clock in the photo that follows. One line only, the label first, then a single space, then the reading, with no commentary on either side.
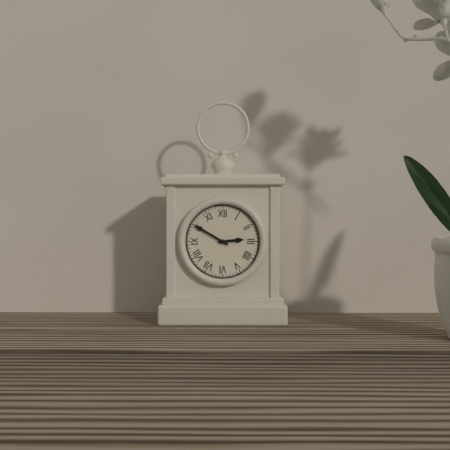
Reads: 2:50
